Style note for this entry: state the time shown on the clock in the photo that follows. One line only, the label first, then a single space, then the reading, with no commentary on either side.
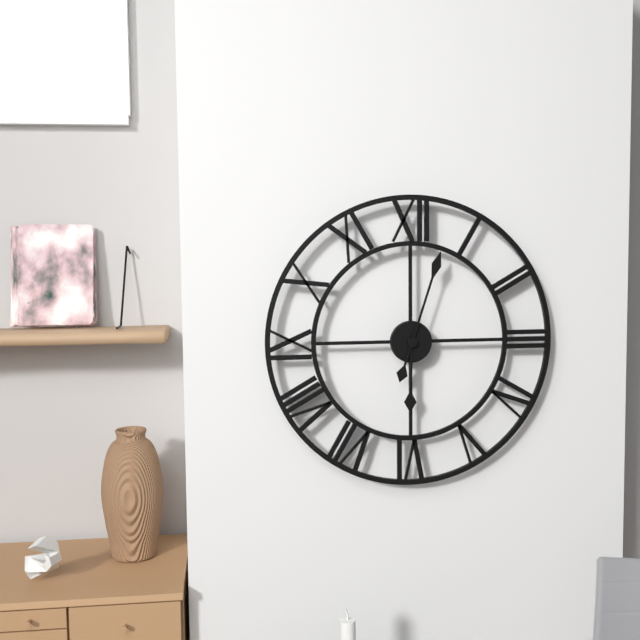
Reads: 6:03
